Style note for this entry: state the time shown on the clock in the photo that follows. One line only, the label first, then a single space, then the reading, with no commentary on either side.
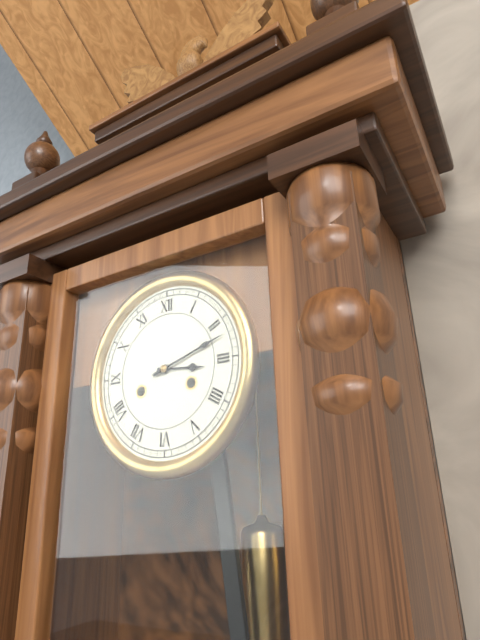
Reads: 3:12
